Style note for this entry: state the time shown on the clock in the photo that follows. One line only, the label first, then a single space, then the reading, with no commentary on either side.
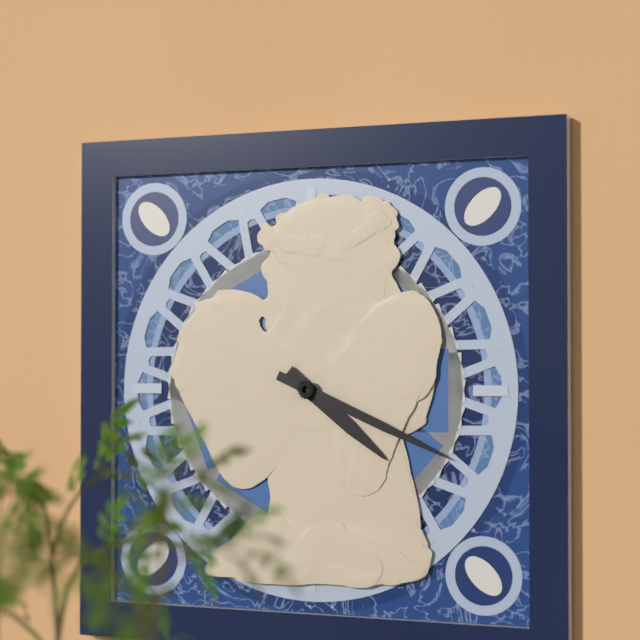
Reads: 4:19
